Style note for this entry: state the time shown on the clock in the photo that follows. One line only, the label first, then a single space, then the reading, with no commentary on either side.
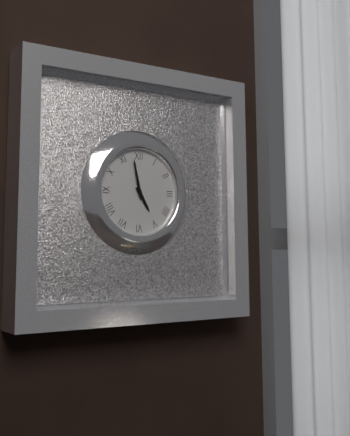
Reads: 4:58
